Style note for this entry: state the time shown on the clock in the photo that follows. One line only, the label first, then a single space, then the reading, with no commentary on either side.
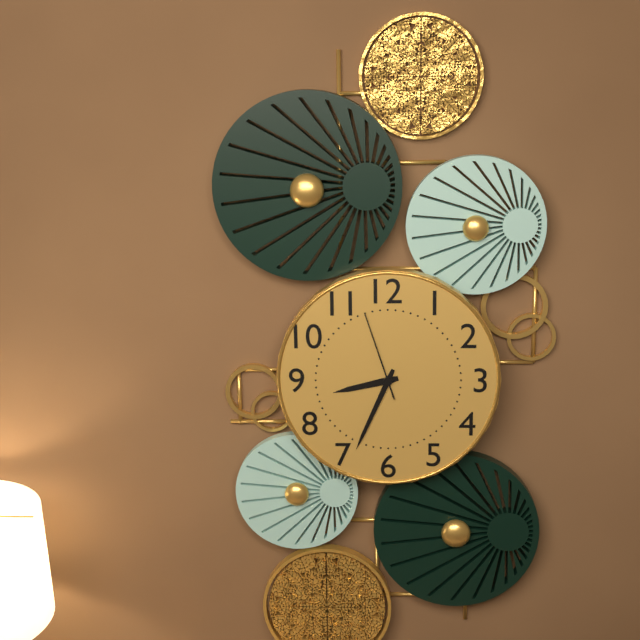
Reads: 8:34:57
